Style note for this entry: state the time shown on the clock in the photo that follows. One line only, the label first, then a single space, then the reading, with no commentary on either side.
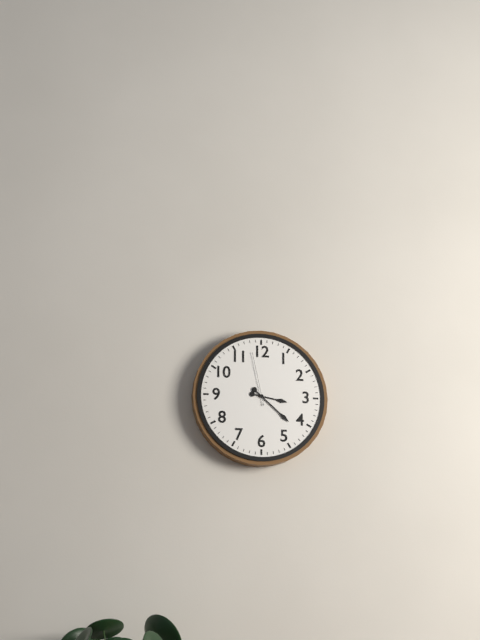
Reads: 3:22:58
